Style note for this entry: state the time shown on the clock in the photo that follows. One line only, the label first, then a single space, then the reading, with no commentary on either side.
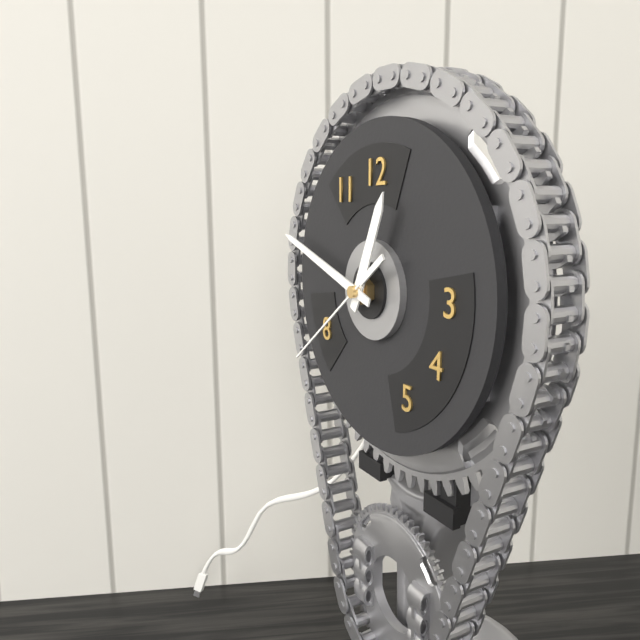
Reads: 12:48:39
